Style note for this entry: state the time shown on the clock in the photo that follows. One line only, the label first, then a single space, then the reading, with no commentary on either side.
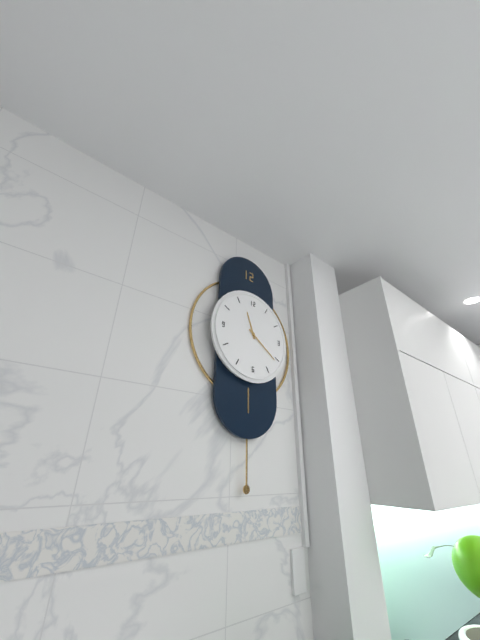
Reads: 11:21
